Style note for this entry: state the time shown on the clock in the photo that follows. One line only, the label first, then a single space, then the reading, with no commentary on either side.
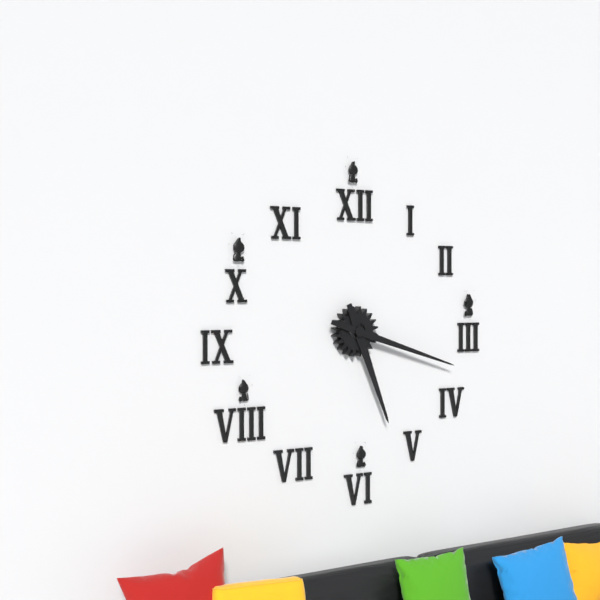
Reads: 5:18
